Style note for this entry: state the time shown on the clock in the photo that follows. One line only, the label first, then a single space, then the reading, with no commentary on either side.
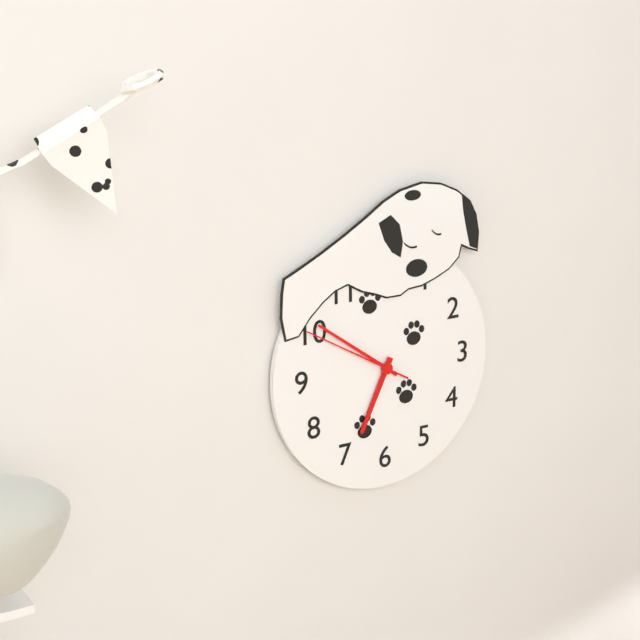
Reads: 6:51:50
